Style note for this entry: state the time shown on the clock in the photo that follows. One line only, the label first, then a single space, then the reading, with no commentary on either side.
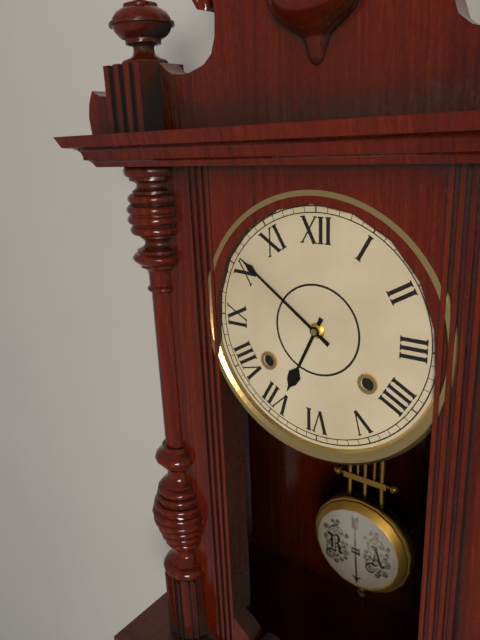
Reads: 6:51
